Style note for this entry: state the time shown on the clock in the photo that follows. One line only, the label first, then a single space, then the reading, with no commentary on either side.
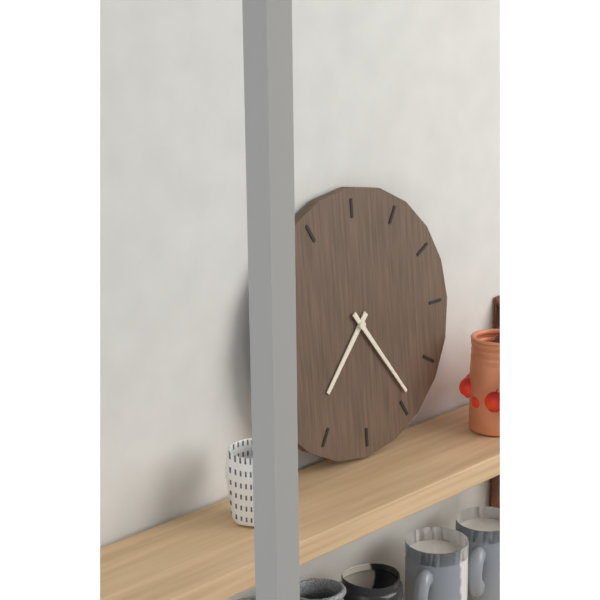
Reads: 7:24
